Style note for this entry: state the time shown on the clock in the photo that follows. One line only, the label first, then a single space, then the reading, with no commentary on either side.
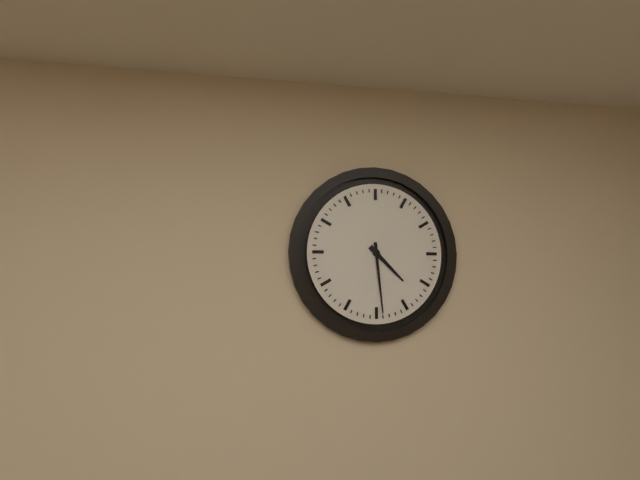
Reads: 4:29
